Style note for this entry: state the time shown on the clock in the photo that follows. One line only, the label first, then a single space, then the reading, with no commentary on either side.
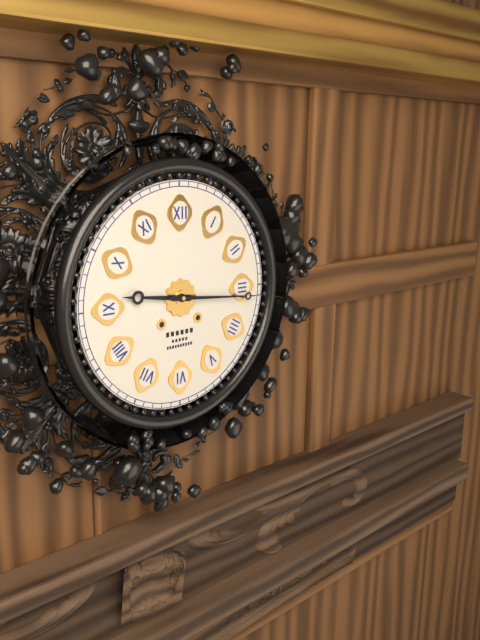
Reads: 9:16
